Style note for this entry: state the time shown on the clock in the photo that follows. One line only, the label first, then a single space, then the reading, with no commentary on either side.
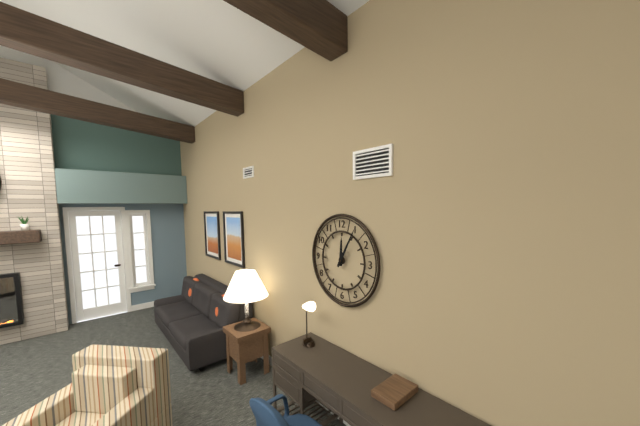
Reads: 12:05
